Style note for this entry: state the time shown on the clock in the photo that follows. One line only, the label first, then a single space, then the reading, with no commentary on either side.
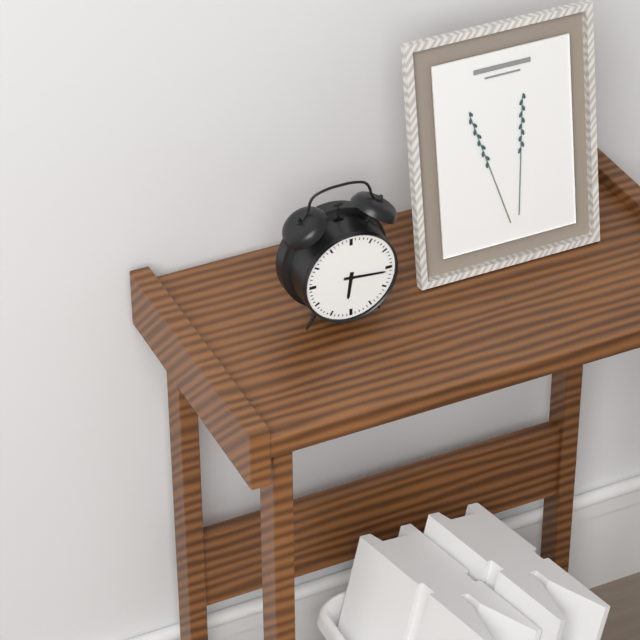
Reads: 6:16
